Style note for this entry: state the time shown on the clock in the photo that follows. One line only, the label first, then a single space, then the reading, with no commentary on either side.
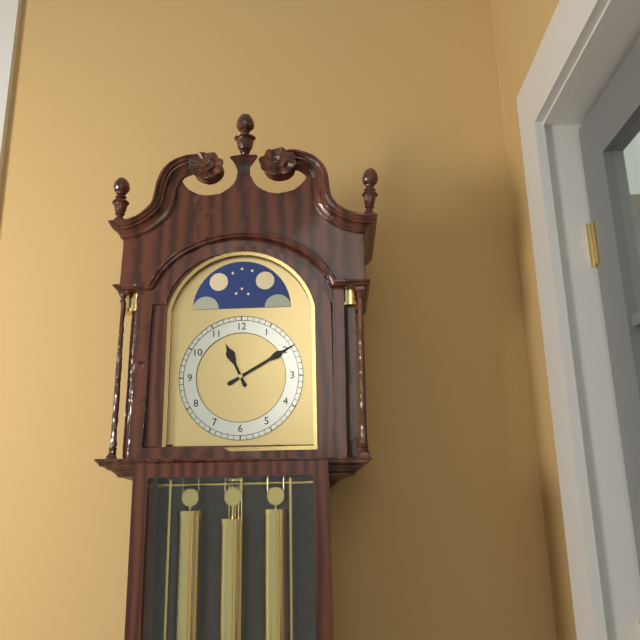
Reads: 11:10
